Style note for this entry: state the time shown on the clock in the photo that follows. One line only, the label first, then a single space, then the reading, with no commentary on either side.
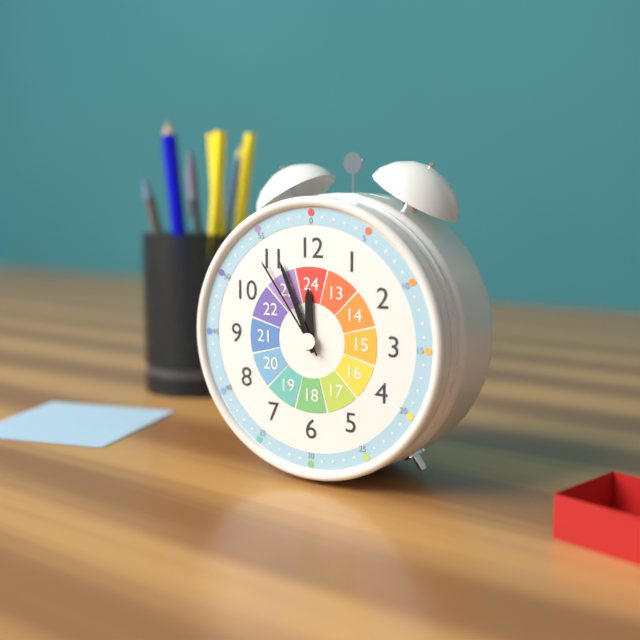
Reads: 11:56:54
